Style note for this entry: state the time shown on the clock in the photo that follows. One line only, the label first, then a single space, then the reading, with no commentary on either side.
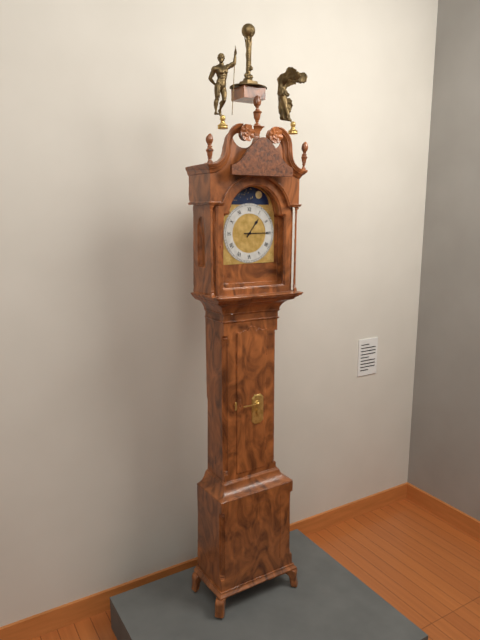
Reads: 1:15
